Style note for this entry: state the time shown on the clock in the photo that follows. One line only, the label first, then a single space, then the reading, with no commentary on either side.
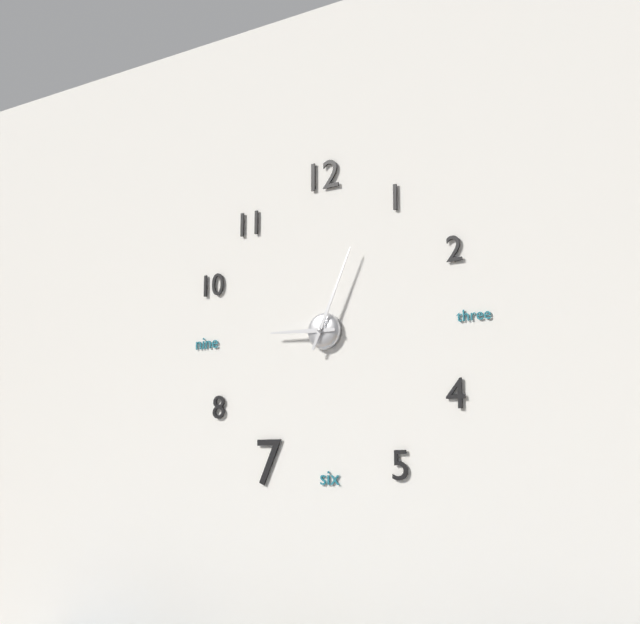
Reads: 9:04
